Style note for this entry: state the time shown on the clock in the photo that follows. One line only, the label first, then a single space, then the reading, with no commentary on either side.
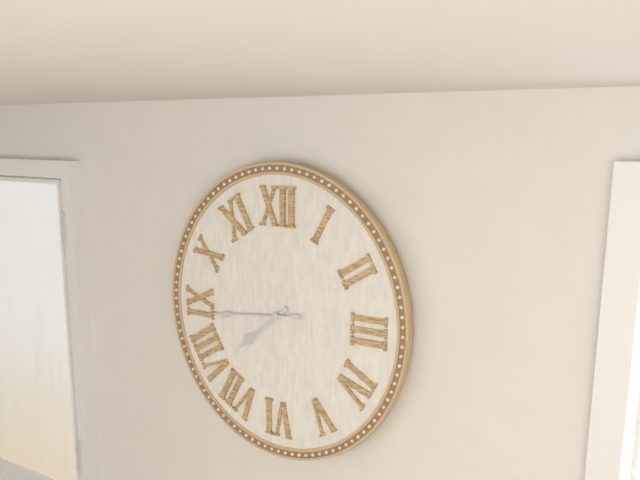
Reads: 7:44
